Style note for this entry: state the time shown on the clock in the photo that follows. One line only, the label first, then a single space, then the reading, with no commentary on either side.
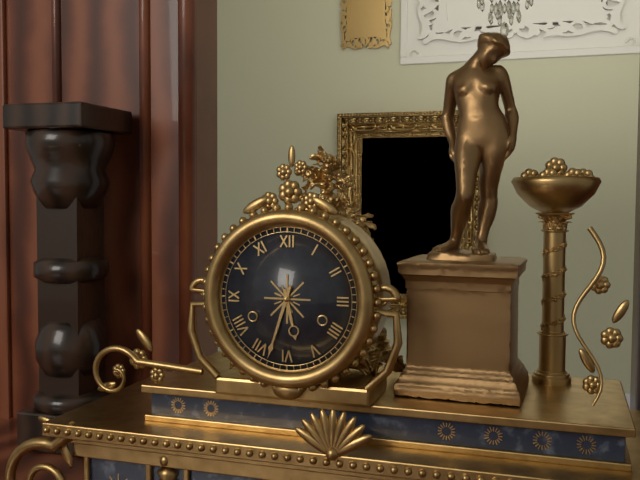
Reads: 5:33
